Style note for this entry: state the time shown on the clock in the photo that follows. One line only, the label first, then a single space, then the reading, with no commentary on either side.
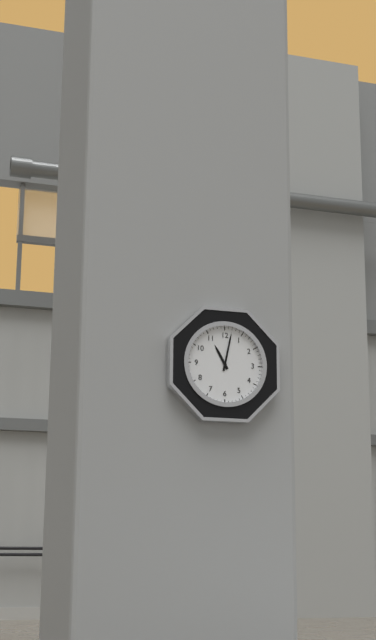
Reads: 11:02
